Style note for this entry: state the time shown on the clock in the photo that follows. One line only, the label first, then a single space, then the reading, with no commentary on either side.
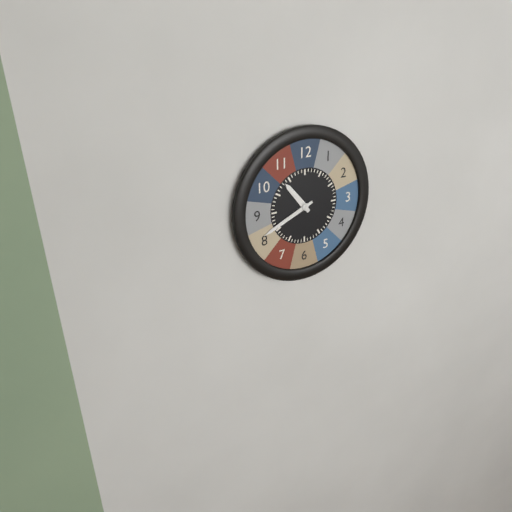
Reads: 10:41
